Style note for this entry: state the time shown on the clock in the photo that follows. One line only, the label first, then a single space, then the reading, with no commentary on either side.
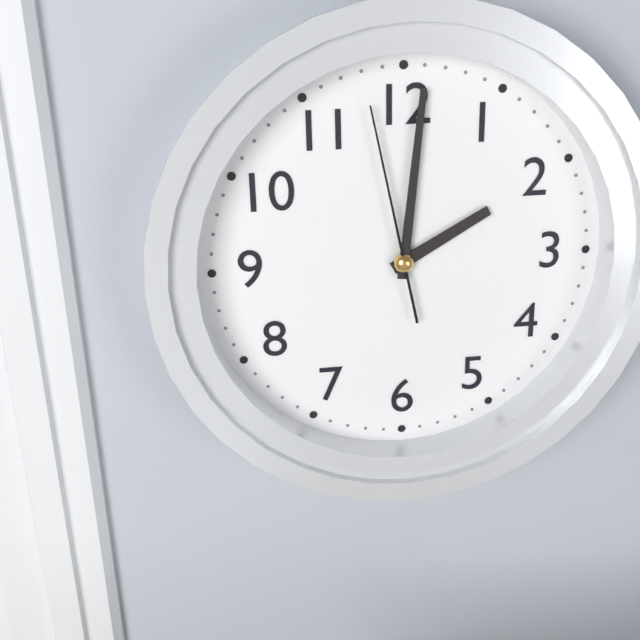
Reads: 2:01:58
